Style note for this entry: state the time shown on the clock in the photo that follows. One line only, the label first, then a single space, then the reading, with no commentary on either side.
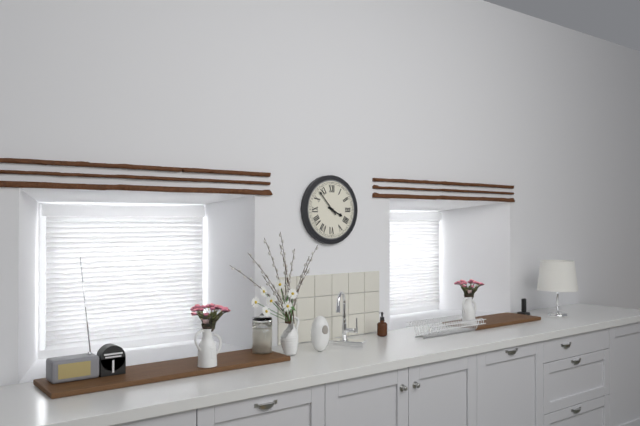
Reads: 3:53
